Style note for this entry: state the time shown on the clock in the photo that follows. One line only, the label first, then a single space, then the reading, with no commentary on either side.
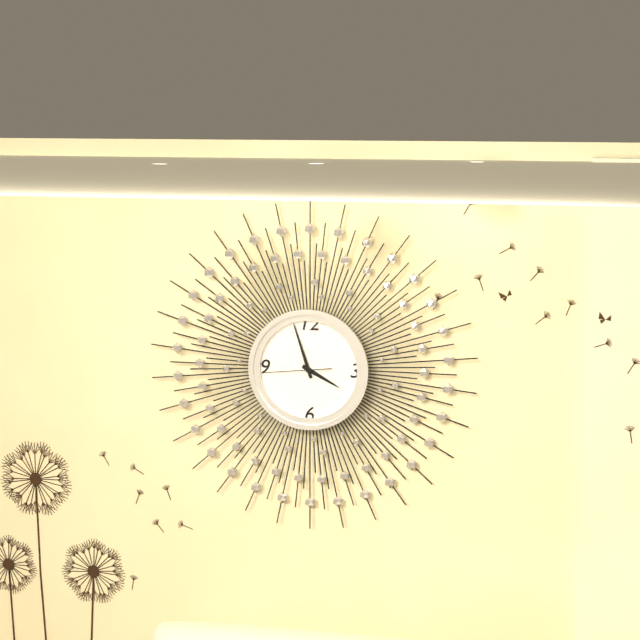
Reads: 3:57:44
